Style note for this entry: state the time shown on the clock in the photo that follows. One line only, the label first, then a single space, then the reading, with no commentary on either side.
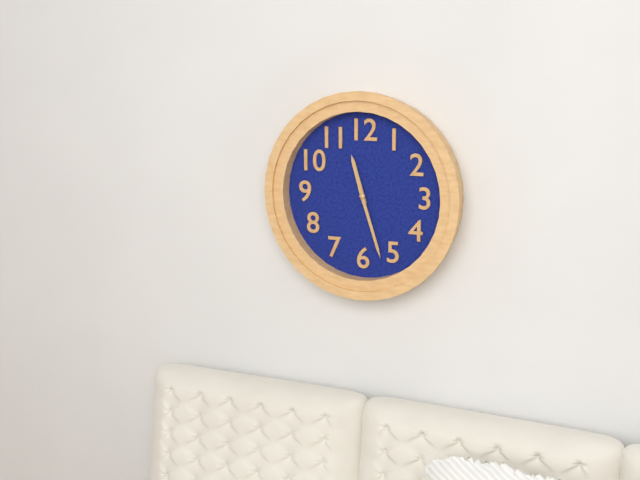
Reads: 11:27
